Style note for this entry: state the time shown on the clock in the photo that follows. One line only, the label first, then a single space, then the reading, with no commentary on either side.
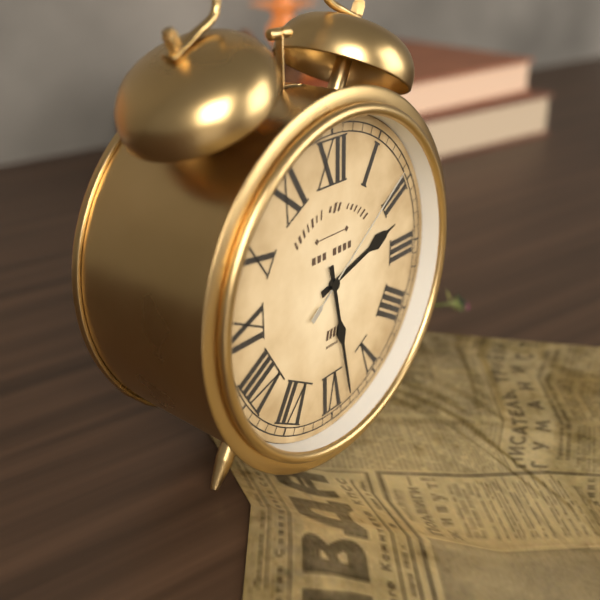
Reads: 2:28:09
